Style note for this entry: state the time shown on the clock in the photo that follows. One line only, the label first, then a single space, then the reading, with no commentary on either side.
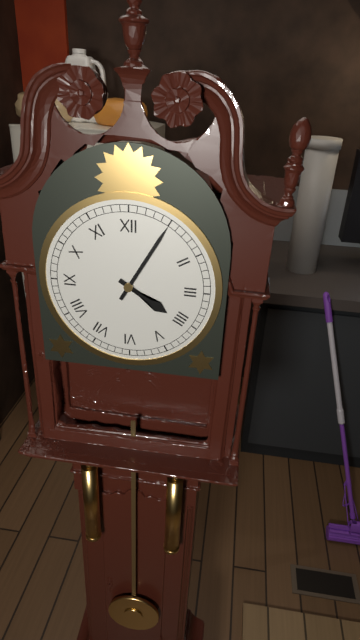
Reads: 4:05
